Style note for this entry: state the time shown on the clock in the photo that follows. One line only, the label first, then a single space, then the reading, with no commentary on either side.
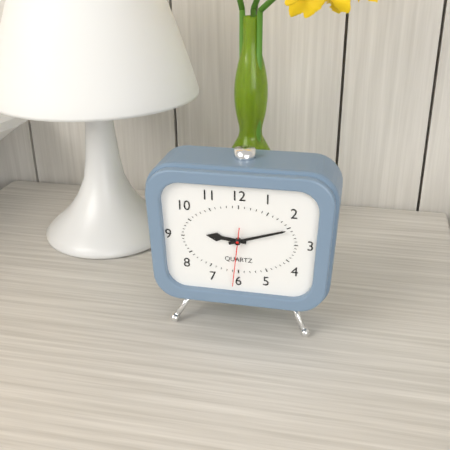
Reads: 9:12:31
